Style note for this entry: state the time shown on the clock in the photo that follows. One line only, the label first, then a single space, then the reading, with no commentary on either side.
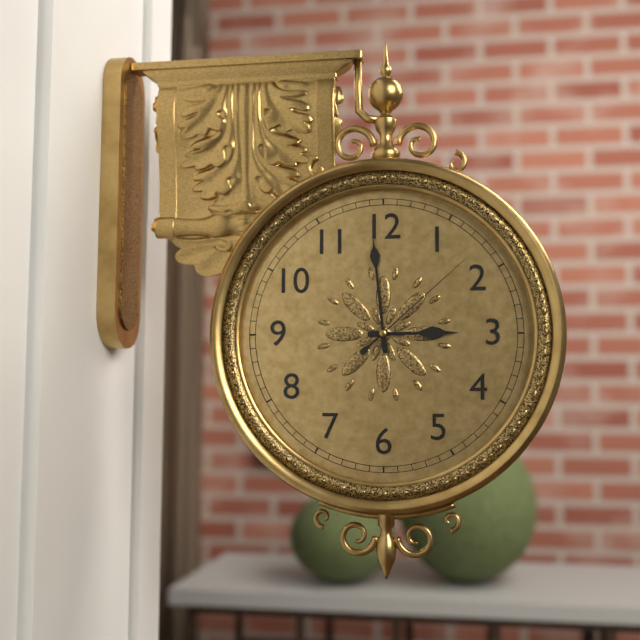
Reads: 2:59:08
